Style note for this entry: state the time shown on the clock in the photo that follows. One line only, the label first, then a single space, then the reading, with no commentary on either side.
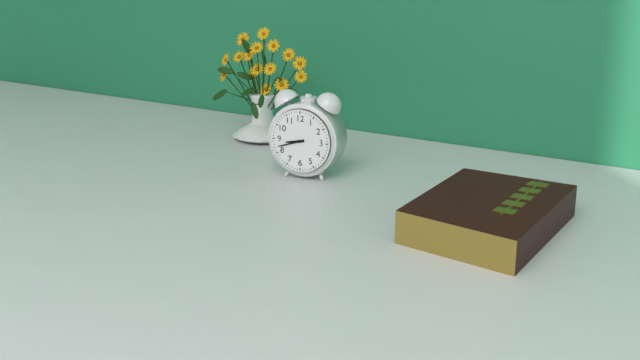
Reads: 8:42
